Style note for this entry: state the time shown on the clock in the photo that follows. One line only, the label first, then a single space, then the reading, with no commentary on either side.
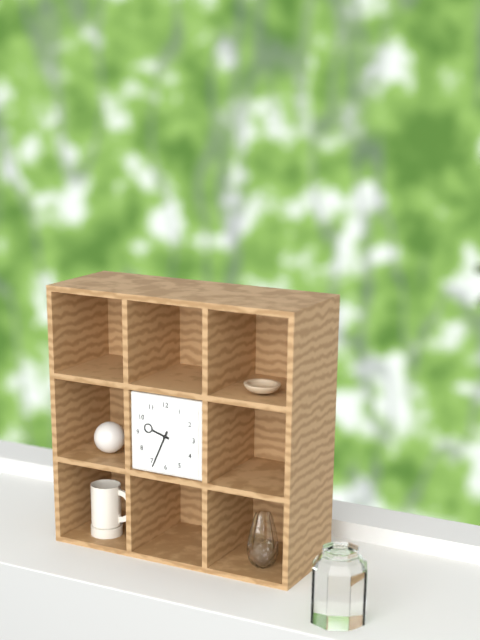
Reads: 9:34
